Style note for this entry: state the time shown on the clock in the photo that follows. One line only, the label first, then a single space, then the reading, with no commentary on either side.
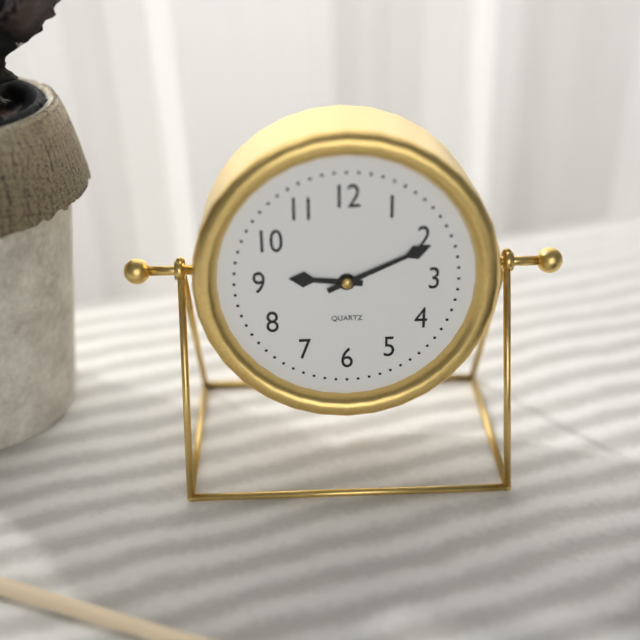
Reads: 9:11
